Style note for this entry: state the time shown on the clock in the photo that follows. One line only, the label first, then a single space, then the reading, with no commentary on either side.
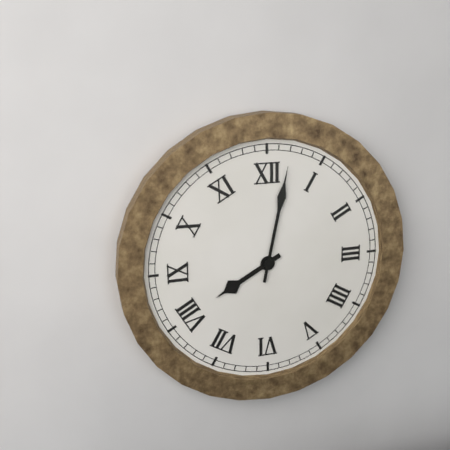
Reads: 8:02
